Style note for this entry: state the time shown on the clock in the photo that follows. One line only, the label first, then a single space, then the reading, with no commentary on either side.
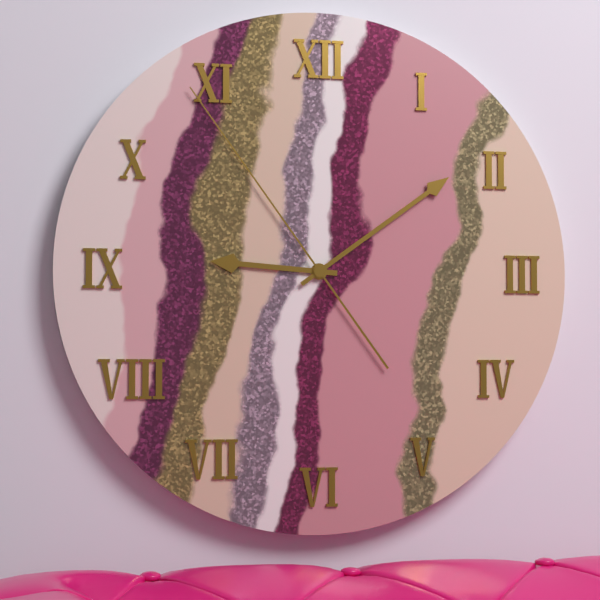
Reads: 9:09:54
